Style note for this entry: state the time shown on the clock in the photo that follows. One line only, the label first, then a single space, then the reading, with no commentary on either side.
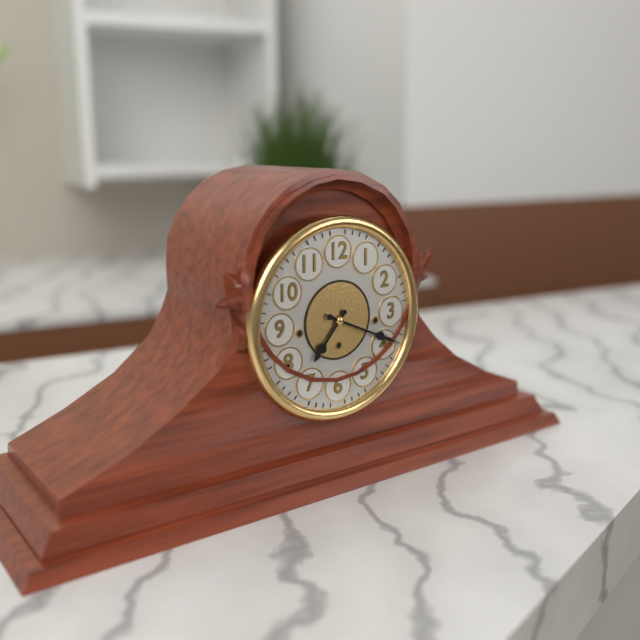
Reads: 7:19
